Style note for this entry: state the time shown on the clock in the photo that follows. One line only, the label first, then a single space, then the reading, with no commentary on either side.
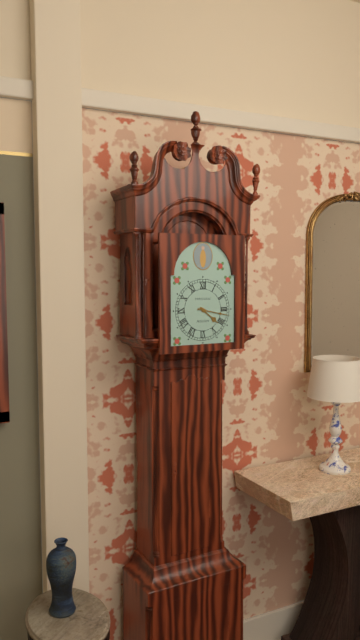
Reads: 4:17
